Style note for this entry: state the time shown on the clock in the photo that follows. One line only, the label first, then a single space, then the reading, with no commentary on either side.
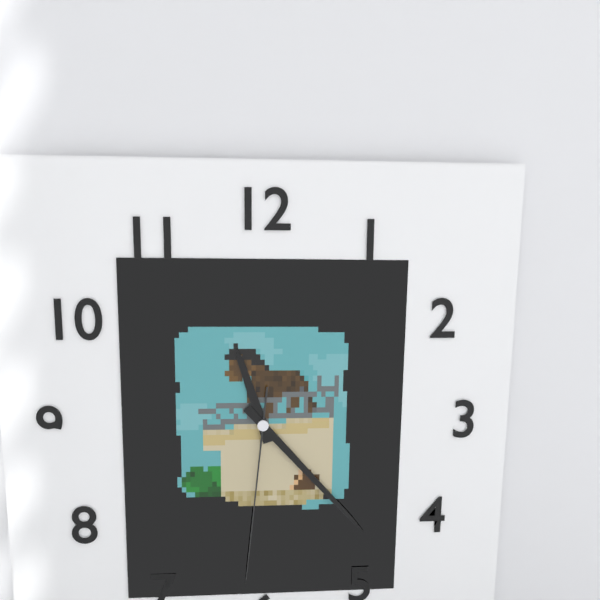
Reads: 11:23:31
